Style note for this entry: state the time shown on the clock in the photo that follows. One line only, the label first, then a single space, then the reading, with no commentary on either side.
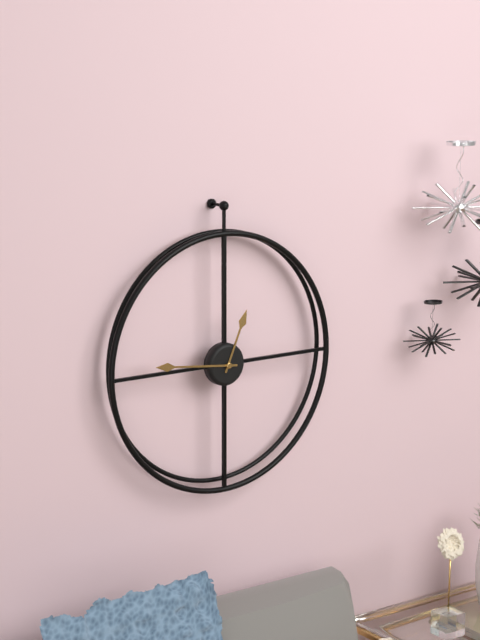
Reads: 12:46
